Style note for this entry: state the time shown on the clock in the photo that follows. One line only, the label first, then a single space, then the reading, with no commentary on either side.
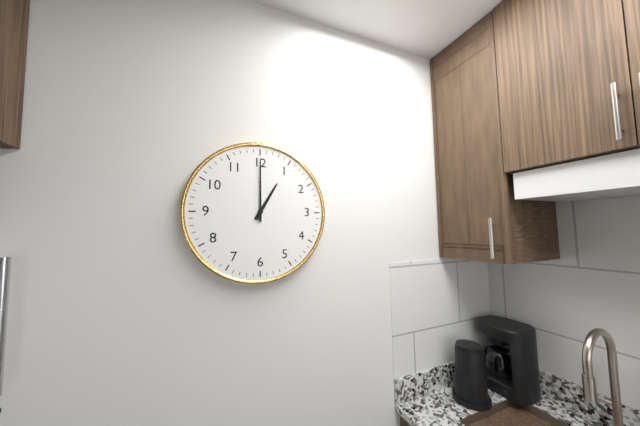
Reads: 1:00
